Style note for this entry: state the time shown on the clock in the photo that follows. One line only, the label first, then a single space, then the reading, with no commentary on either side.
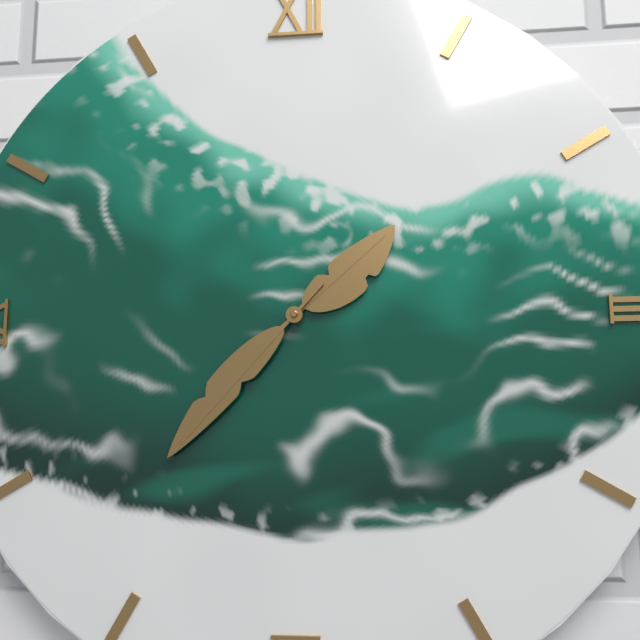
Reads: 1:37
